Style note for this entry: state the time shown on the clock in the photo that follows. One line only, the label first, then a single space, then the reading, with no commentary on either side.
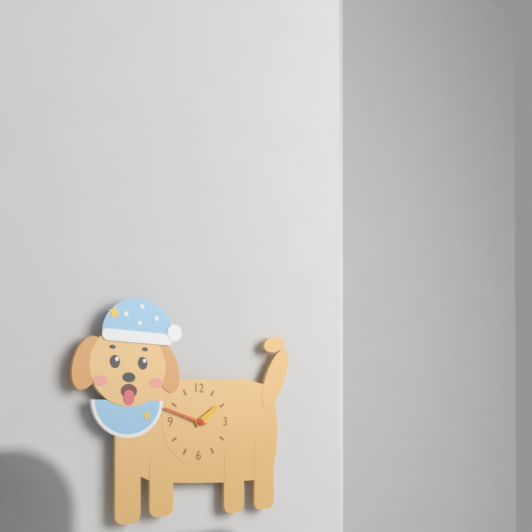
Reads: 1:48
